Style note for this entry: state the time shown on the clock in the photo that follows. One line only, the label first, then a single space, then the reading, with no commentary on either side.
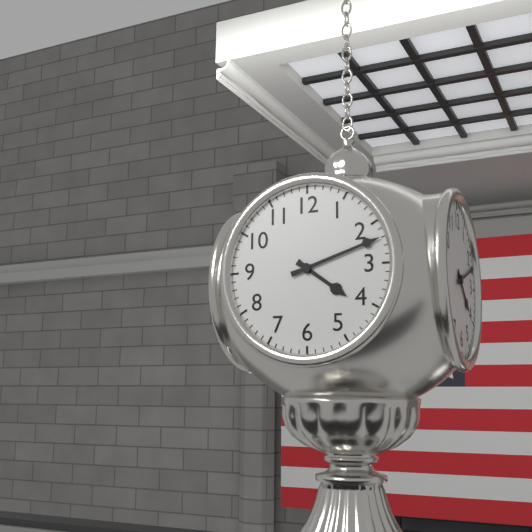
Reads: 4:12
